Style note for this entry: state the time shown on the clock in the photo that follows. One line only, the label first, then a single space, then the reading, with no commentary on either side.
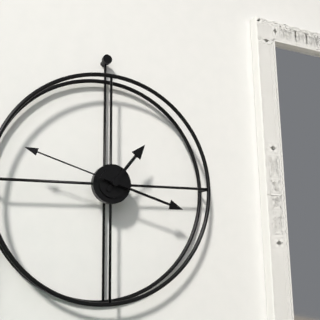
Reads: 1:18:48
